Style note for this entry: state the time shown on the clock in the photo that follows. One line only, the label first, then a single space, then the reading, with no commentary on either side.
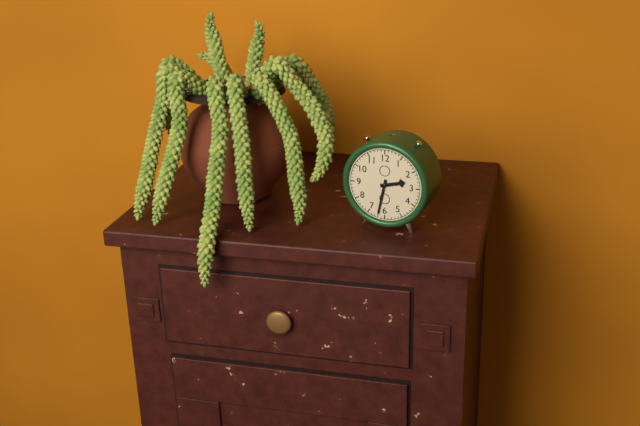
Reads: 2:32
